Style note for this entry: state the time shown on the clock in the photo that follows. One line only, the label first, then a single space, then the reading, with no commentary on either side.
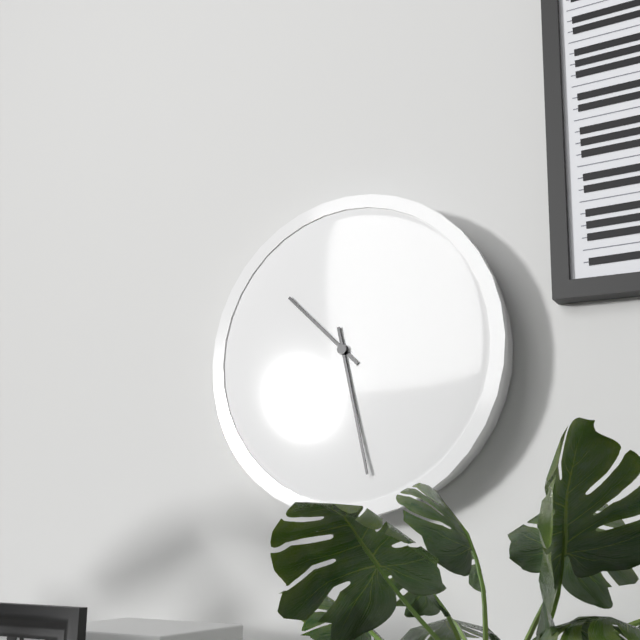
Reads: 10:28
